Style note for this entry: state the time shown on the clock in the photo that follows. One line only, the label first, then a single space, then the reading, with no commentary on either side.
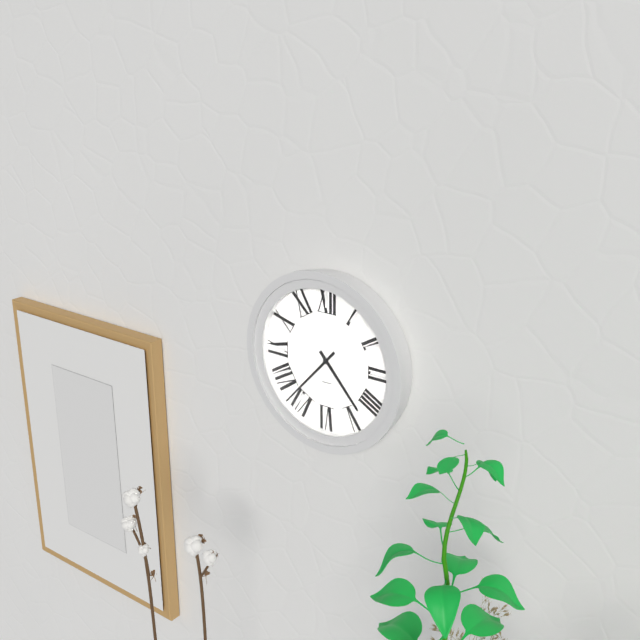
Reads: 4:37
